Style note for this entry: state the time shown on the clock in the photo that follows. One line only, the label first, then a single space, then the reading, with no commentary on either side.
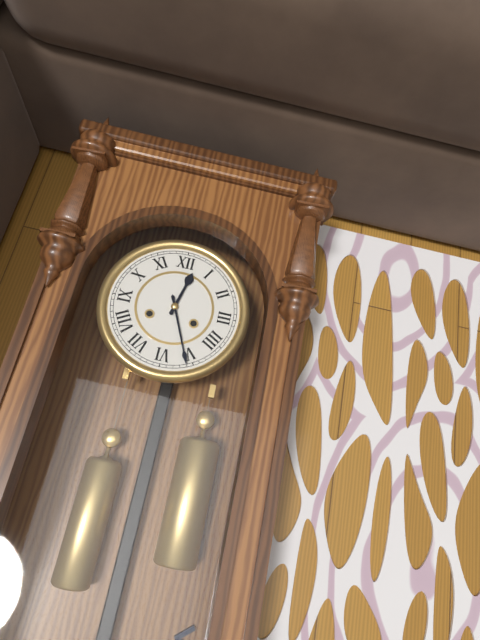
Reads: 12:26
